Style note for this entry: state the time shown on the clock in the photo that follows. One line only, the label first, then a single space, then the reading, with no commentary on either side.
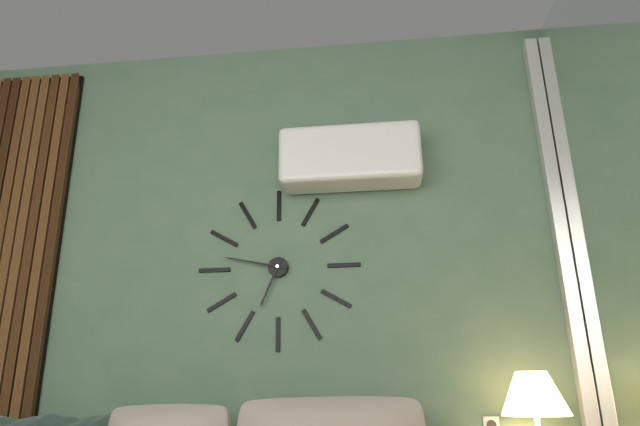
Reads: 6:47
